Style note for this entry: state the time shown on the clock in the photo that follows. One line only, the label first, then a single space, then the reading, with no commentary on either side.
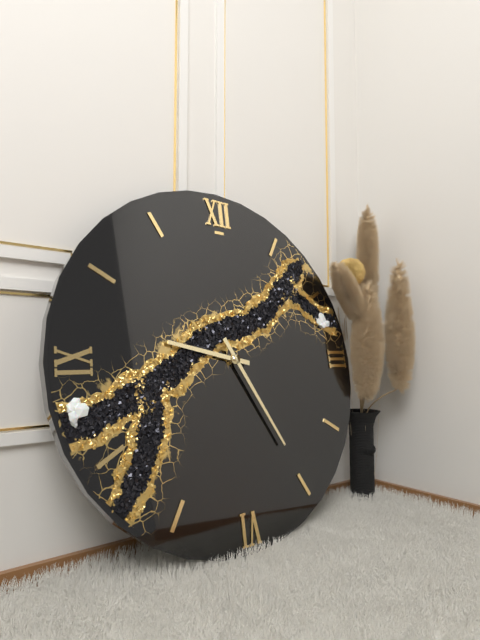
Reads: 9:25
